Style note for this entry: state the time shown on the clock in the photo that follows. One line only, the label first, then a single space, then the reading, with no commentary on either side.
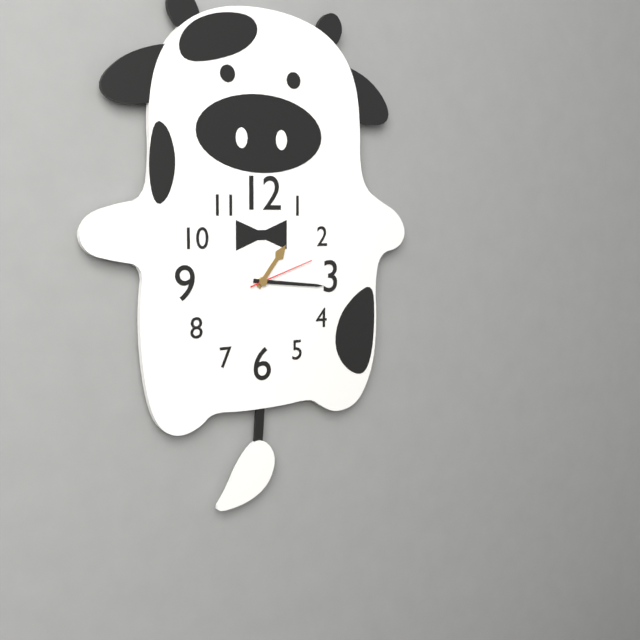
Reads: 1:16:12
